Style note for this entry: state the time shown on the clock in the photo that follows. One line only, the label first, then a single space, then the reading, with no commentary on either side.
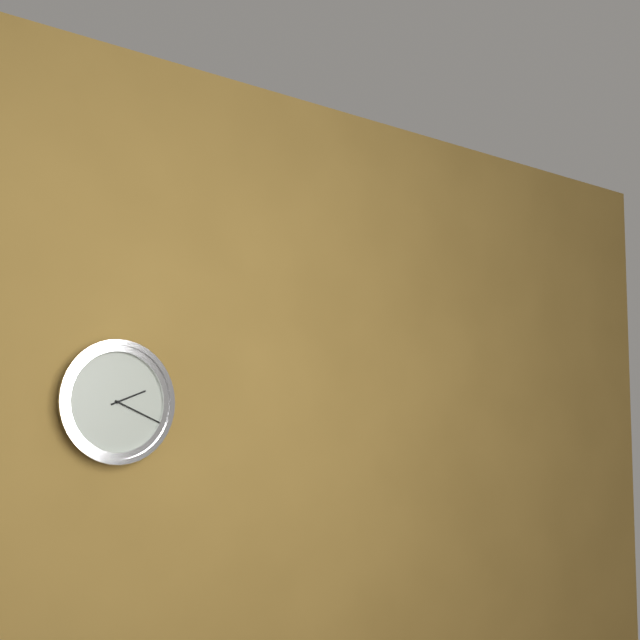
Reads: 2:19
